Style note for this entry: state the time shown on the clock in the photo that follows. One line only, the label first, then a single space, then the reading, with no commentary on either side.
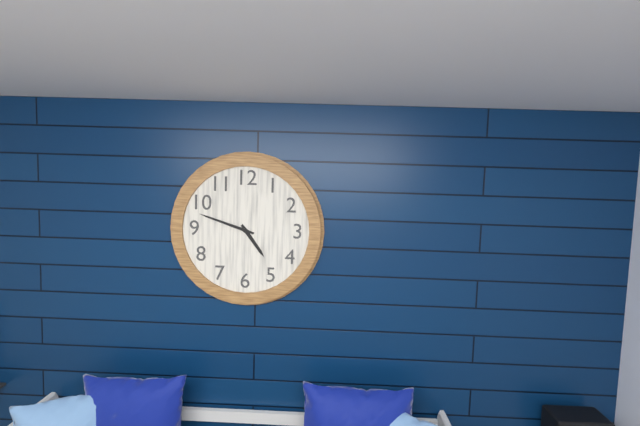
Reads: 4:48
